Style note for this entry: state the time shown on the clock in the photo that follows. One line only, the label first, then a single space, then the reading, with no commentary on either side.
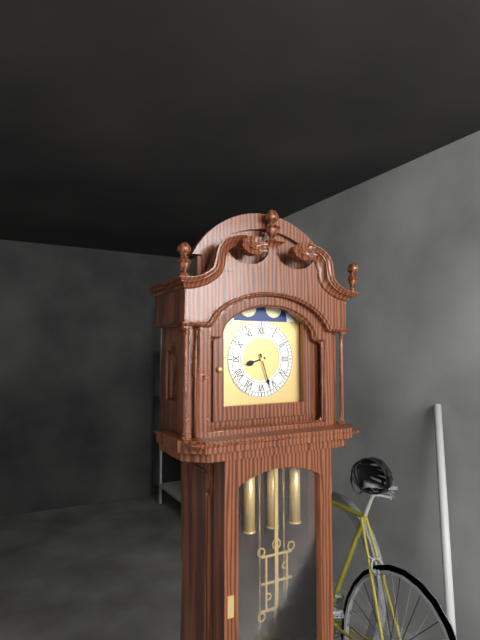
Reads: 8:27
